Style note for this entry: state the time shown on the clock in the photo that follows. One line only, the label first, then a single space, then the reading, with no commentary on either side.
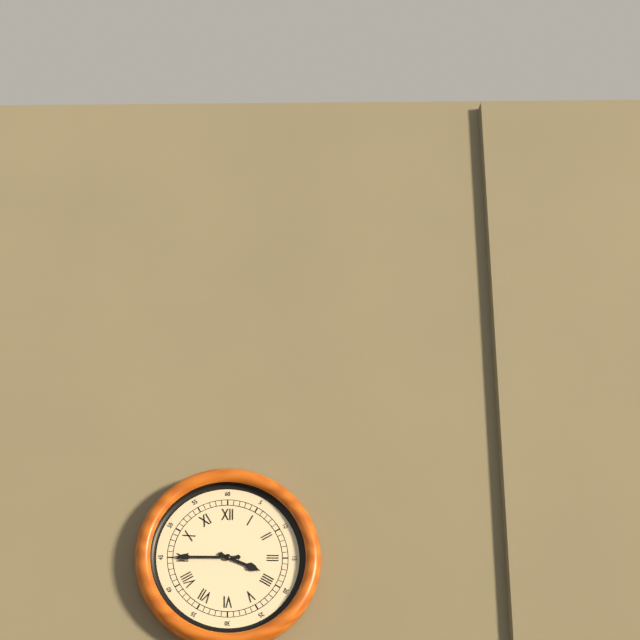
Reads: 3:45
